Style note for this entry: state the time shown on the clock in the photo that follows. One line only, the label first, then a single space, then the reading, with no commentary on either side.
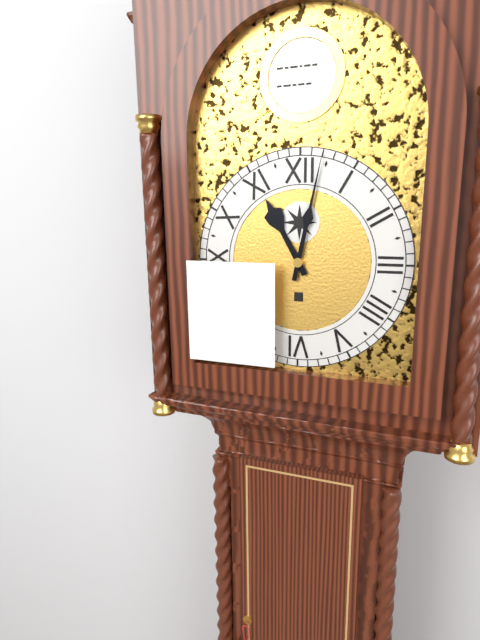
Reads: 11:02
